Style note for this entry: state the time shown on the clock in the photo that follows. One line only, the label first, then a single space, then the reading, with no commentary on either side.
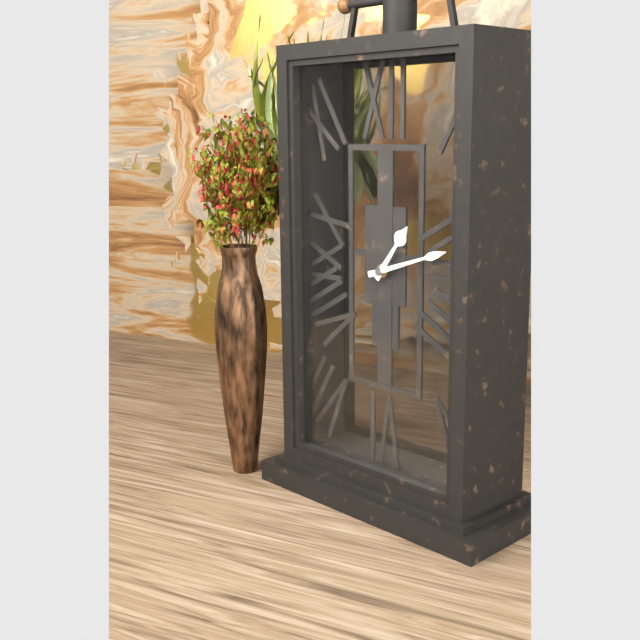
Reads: 1:12
